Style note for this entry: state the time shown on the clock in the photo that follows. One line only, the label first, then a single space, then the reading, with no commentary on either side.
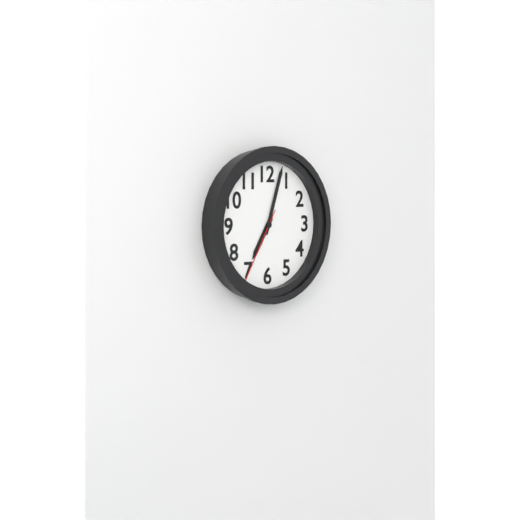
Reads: 7:03:35
